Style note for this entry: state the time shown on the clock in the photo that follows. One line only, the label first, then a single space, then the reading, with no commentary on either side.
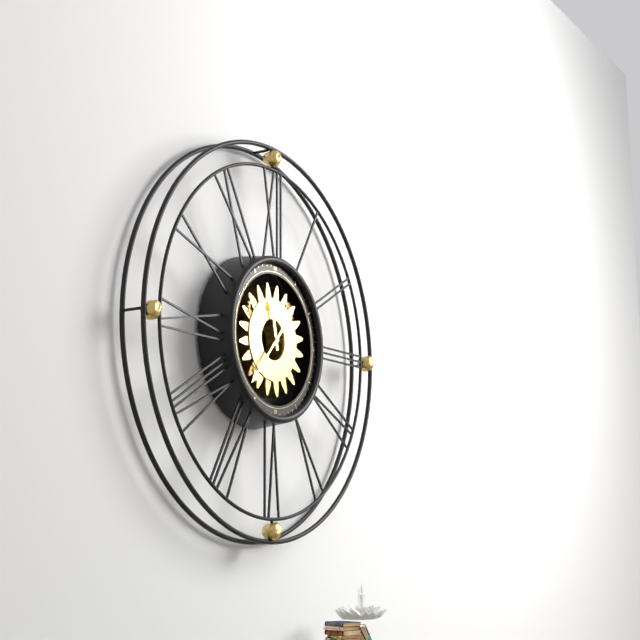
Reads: 11:37
